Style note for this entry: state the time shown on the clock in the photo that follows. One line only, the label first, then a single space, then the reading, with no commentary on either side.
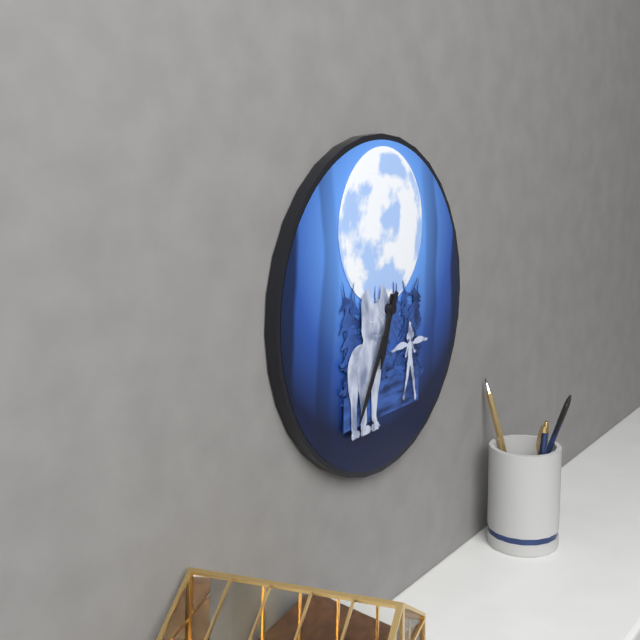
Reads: 6:35
